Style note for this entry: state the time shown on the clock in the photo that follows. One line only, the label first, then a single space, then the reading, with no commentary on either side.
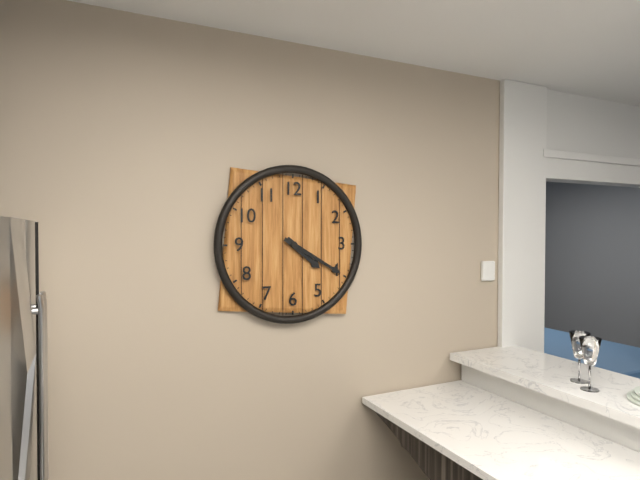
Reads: 4:20
